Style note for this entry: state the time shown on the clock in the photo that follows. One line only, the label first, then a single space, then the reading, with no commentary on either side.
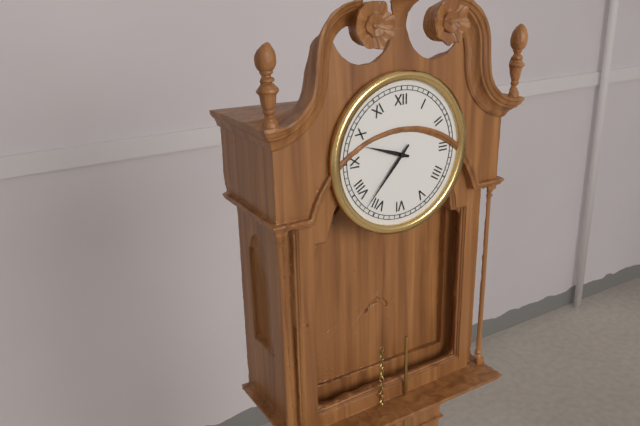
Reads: 9:37
